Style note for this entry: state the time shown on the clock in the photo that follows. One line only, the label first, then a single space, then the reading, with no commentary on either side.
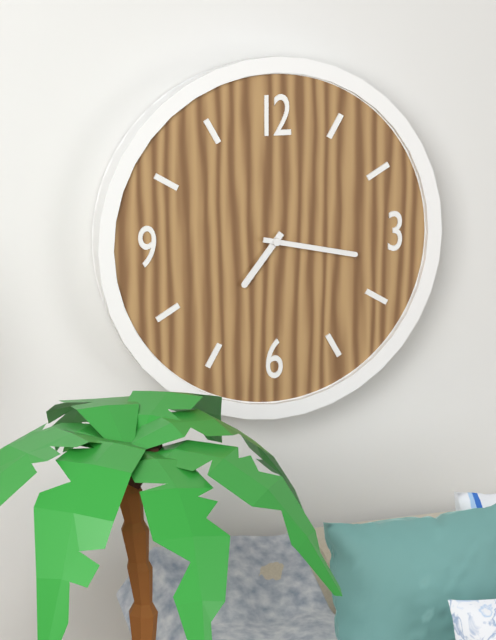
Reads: 7:17
